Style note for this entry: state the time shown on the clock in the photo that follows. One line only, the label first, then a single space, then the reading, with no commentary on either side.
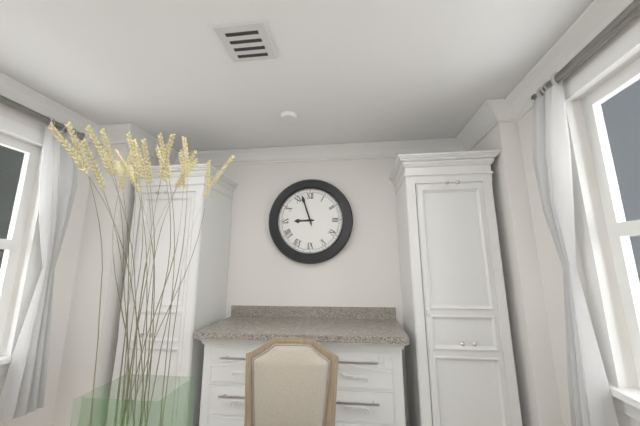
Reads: 8:57
